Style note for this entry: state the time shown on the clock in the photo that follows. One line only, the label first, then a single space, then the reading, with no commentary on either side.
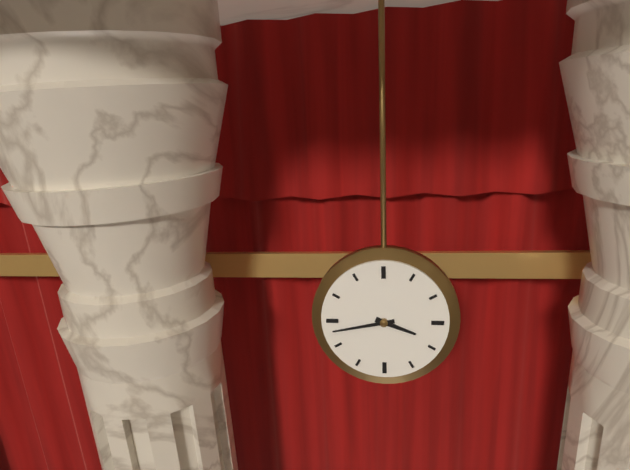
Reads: 3:43
